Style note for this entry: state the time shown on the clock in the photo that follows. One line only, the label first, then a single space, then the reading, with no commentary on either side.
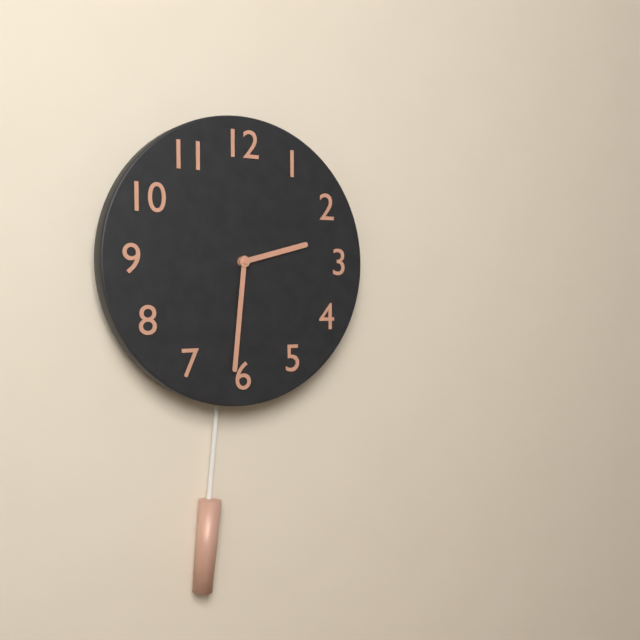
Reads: 2:31
